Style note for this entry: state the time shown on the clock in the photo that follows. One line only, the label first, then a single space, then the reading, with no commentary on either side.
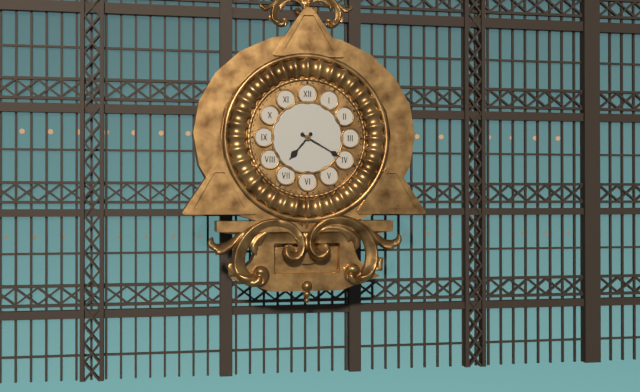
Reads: 7:20
